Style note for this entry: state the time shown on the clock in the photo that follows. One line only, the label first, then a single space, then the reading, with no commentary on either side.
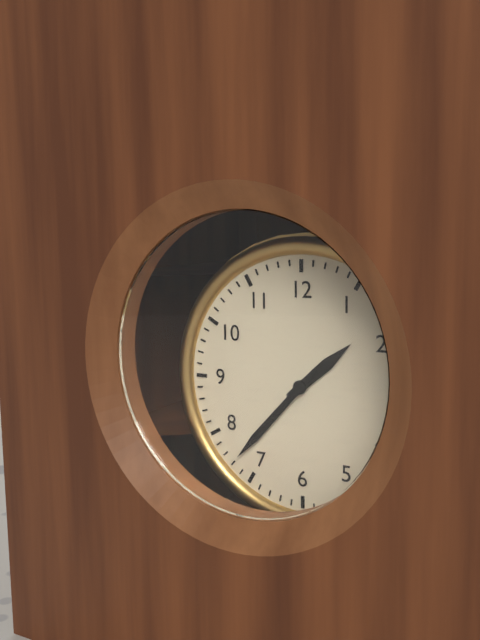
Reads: 1:37
